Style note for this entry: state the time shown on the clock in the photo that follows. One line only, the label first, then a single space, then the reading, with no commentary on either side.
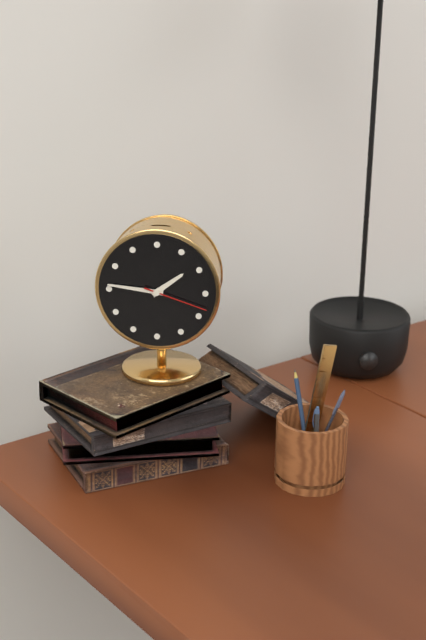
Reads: 1:46:18
